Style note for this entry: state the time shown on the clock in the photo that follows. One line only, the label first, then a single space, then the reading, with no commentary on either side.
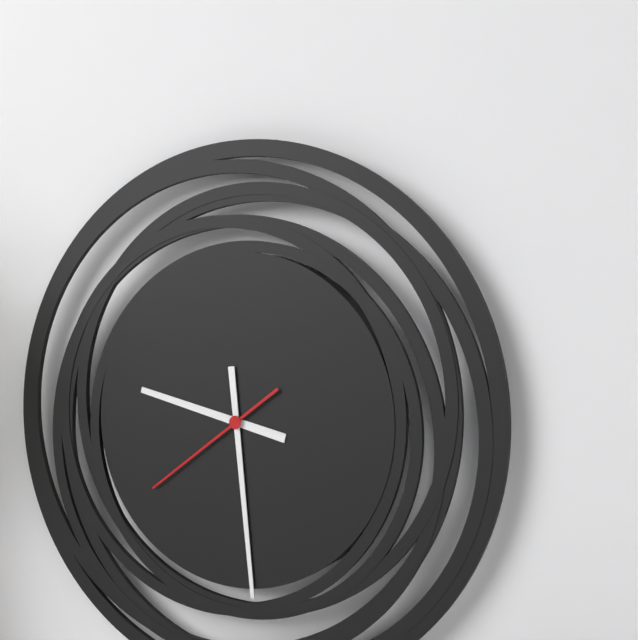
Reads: 9:29:39
